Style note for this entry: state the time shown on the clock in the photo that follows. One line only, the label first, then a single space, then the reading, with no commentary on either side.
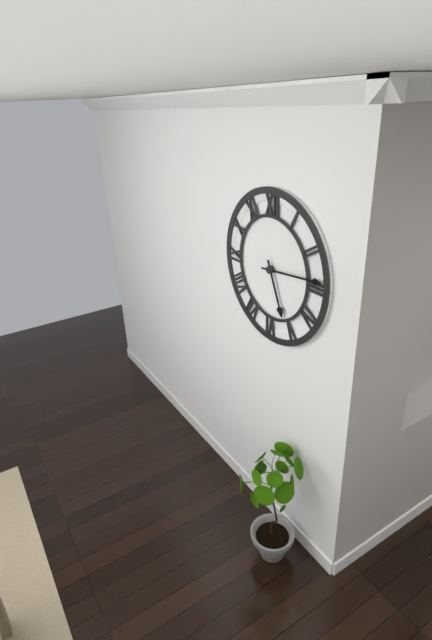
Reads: 5:14
